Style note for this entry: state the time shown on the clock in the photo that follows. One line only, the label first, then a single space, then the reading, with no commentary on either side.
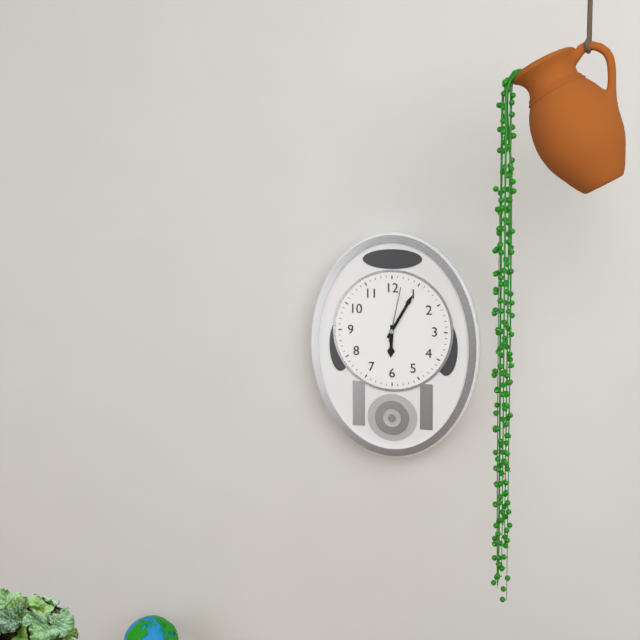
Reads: 6:05:02
